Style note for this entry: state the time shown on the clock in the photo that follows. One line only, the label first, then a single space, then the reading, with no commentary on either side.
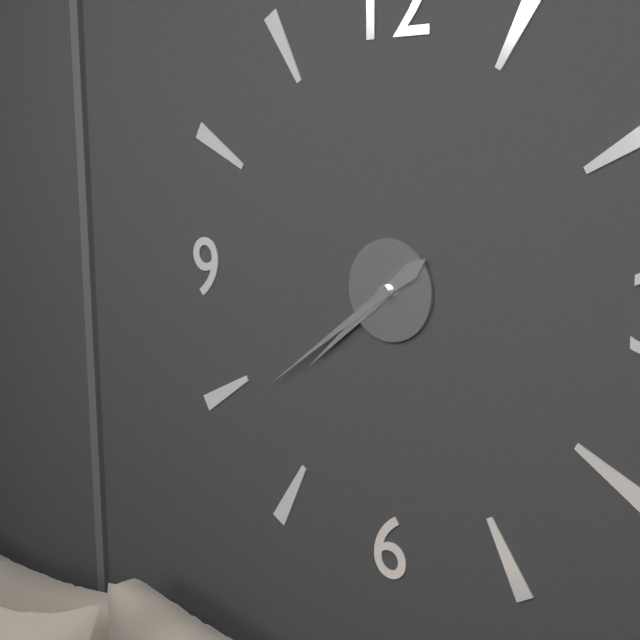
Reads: 7:39
